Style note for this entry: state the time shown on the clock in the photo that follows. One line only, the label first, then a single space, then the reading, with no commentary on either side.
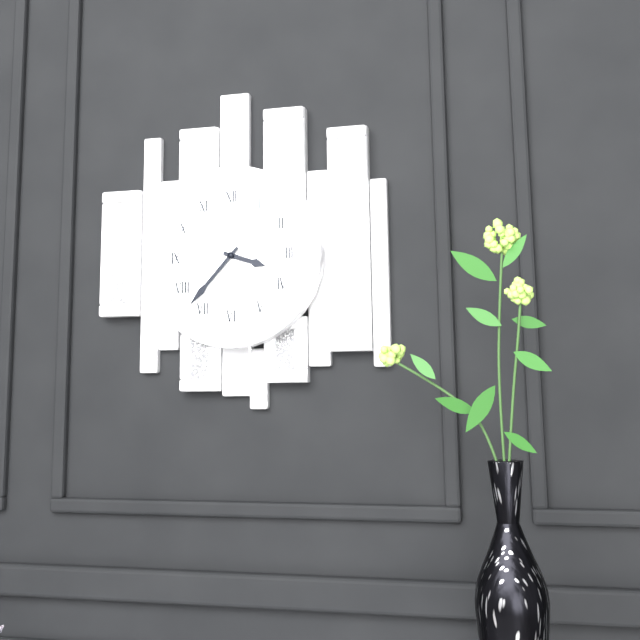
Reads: 3:37
